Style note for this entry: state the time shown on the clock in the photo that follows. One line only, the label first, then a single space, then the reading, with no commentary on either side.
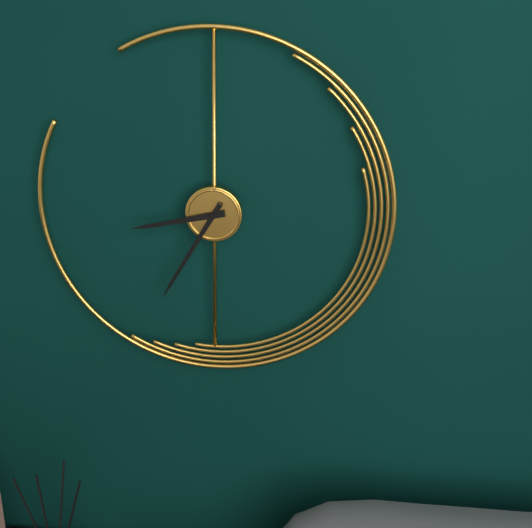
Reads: 8:35
